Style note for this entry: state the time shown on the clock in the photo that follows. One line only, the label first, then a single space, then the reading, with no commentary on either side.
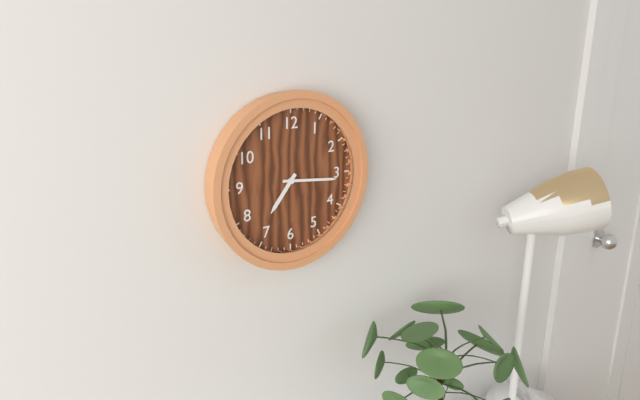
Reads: 7:16
